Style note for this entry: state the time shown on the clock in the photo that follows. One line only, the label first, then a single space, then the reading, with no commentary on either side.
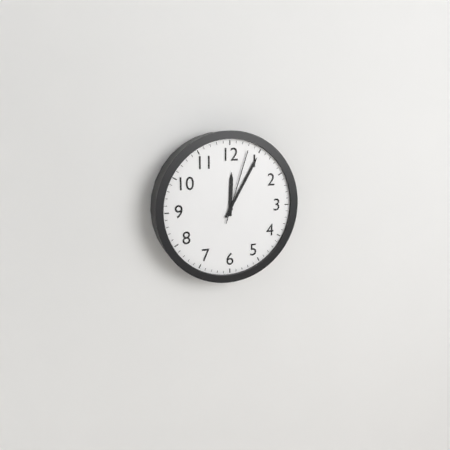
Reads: 12:05:03
